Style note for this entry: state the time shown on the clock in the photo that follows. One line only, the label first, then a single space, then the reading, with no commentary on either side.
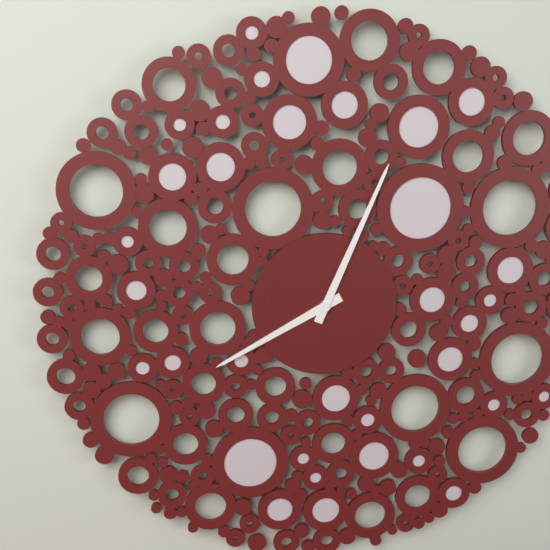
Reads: 8:04
